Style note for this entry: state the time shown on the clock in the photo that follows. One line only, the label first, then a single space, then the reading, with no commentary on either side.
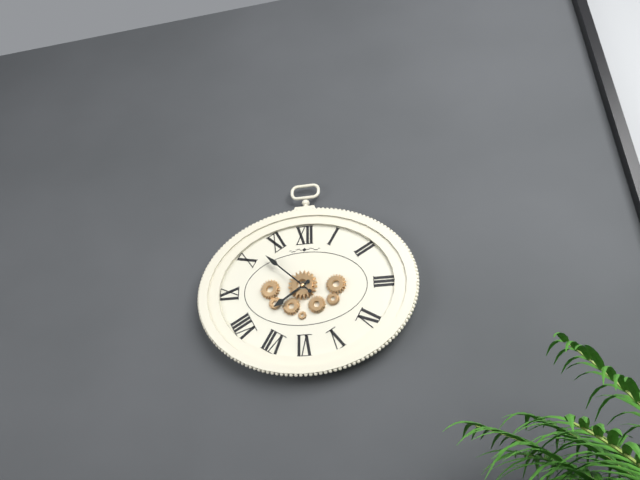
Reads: 7:52
